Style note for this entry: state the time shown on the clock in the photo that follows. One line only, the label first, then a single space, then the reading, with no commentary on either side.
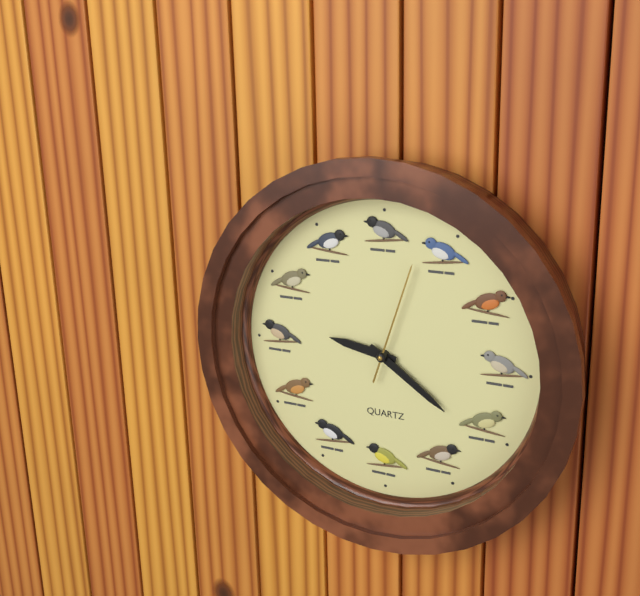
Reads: 9:21:03
